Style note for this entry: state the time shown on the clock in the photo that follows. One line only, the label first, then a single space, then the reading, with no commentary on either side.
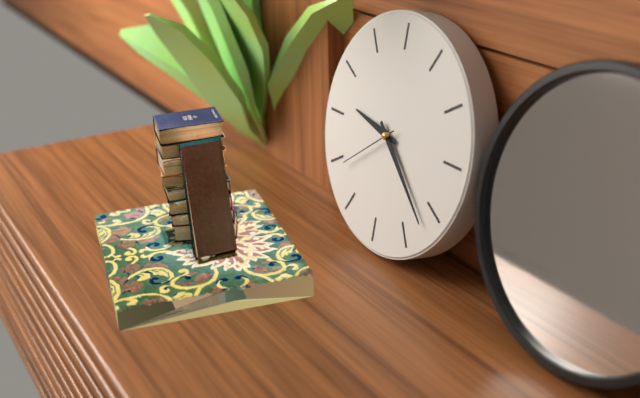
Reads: 9:22:39
